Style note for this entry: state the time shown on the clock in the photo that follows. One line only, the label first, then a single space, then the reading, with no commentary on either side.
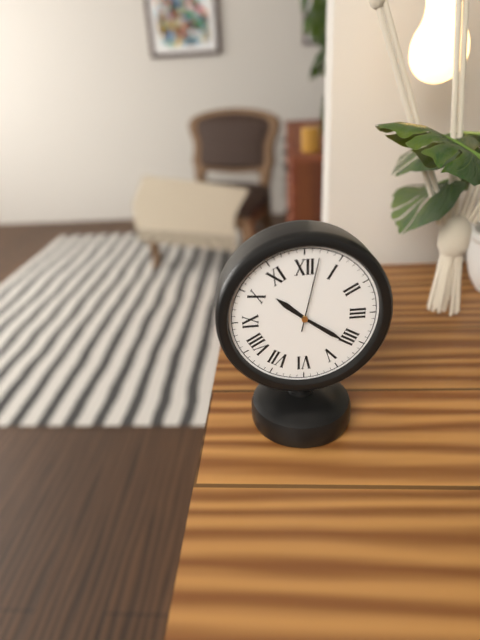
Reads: 10:21:02
